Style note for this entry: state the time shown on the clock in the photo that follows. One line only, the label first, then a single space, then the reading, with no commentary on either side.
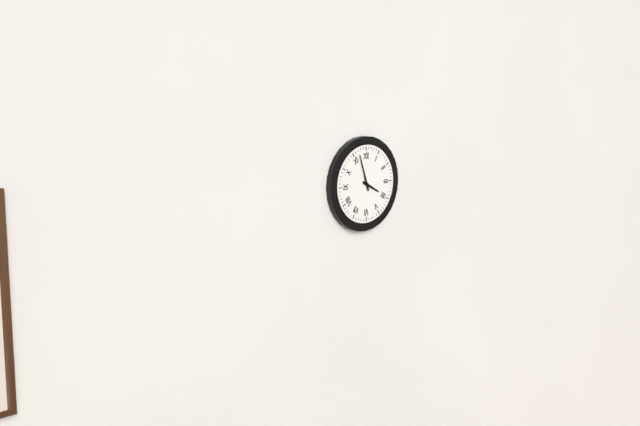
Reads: 3:57
